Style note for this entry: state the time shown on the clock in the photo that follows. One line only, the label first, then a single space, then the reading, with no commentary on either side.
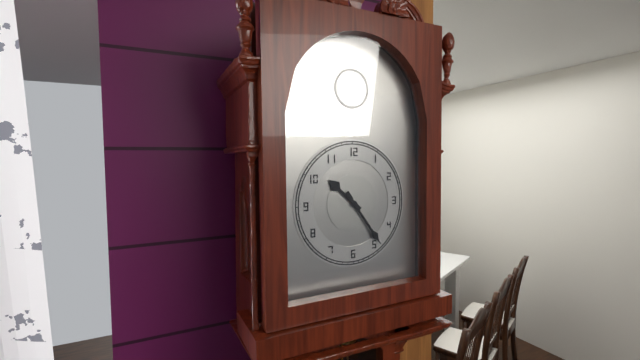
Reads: 10:24
